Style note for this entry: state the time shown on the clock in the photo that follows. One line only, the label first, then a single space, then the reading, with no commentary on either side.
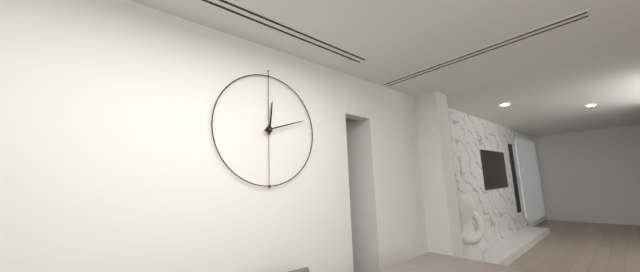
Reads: 12:12
